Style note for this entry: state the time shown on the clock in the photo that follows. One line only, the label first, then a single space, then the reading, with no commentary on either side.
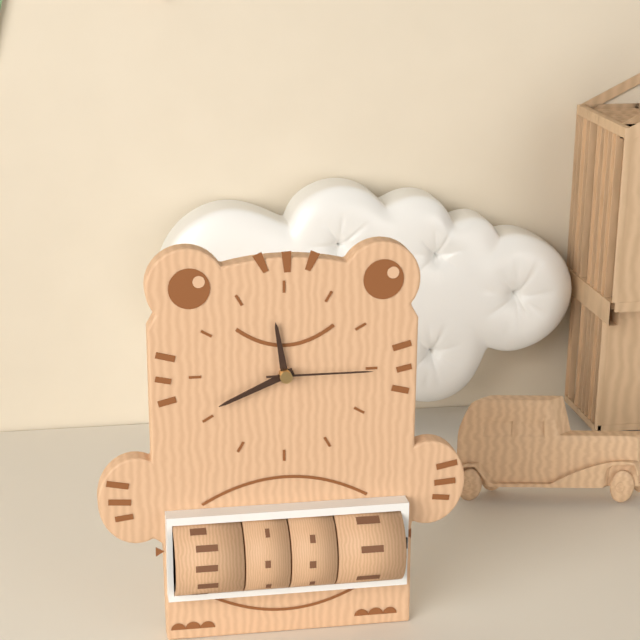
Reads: 11:41:15
